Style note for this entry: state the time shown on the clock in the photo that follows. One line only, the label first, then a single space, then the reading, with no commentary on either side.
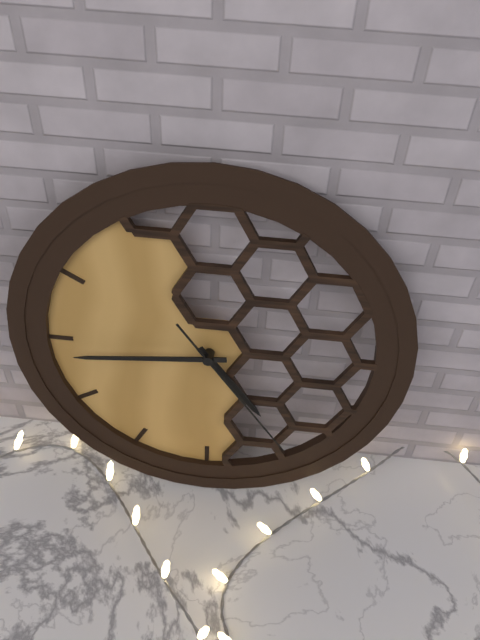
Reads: 4:44:24
